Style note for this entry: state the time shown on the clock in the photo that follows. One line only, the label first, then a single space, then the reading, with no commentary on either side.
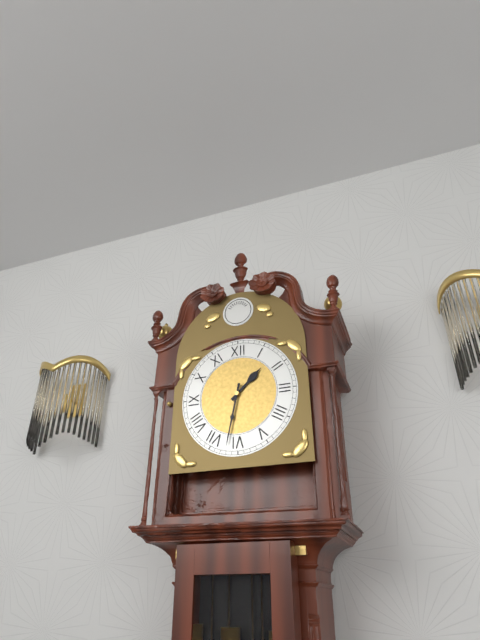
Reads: 1:32
